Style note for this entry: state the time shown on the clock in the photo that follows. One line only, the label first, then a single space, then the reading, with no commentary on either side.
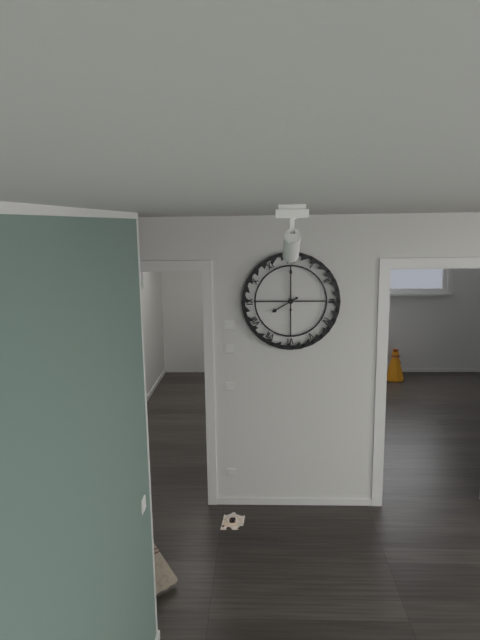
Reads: 8:00
